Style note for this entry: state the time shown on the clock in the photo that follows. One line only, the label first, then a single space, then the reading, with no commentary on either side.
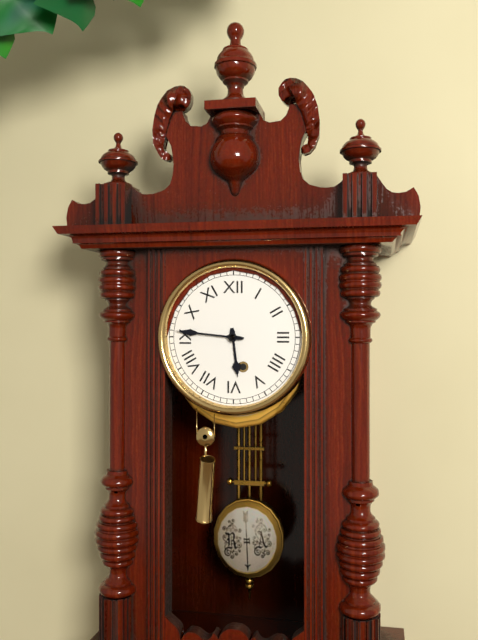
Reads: 5:46
